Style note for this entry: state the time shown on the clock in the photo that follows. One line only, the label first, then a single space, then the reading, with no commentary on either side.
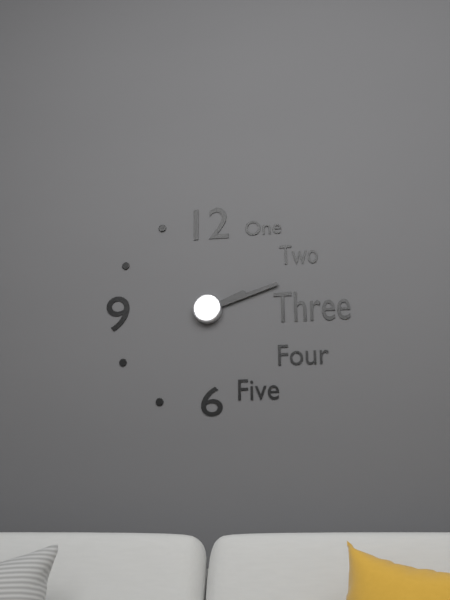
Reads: 2:12
